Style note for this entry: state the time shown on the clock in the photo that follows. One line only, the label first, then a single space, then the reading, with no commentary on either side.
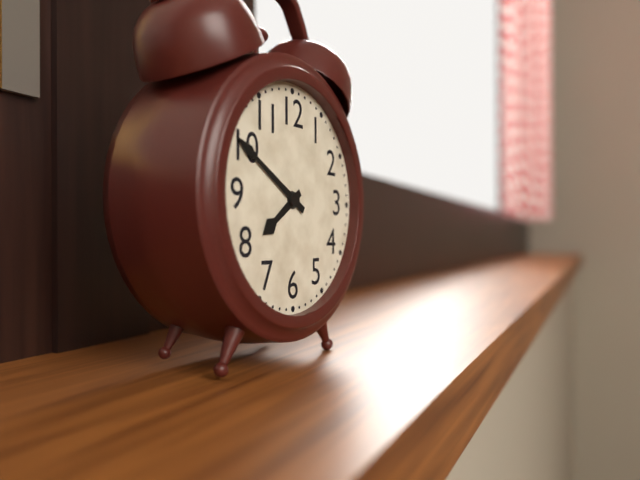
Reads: 7:50
